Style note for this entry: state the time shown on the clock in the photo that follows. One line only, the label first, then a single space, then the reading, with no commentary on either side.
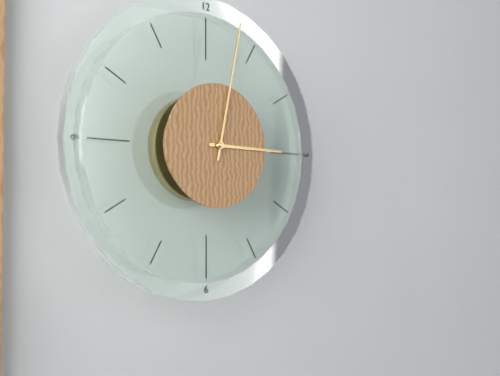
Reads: 3:02
